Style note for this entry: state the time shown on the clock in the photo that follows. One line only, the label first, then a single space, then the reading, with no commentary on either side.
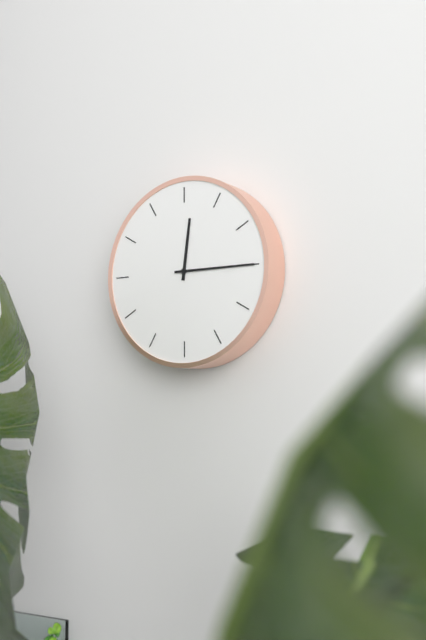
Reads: 12:15
